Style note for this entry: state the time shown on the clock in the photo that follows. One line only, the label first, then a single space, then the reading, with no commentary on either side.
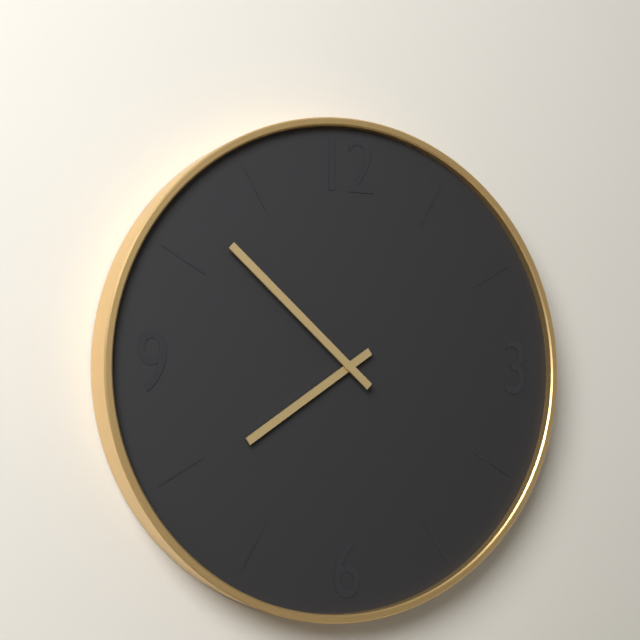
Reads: 7:52
